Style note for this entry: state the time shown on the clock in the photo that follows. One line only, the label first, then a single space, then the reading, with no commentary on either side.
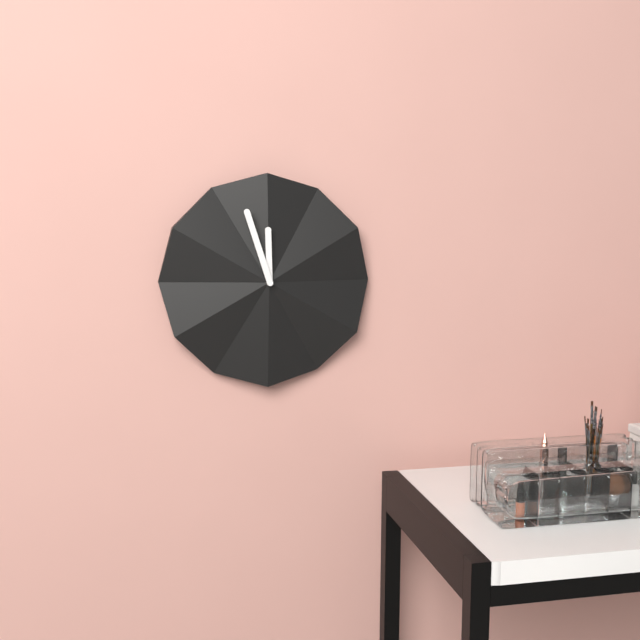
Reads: 11:57
